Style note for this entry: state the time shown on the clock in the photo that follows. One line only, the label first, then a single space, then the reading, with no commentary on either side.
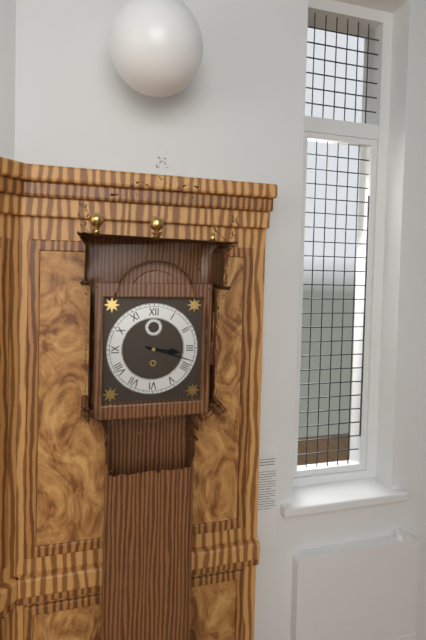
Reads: 3:18
